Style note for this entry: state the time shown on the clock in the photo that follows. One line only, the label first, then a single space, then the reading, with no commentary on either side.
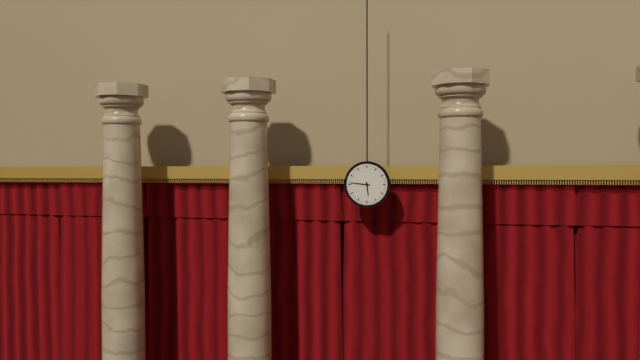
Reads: 5:46
